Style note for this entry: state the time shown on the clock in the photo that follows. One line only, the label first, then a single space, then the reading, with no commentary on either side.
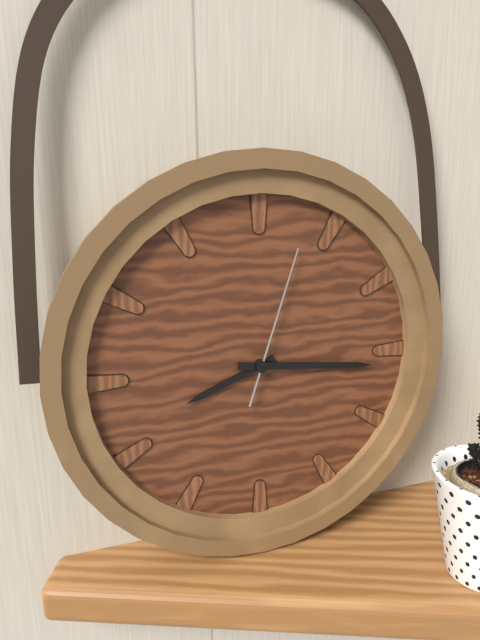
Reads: 8:16:03
